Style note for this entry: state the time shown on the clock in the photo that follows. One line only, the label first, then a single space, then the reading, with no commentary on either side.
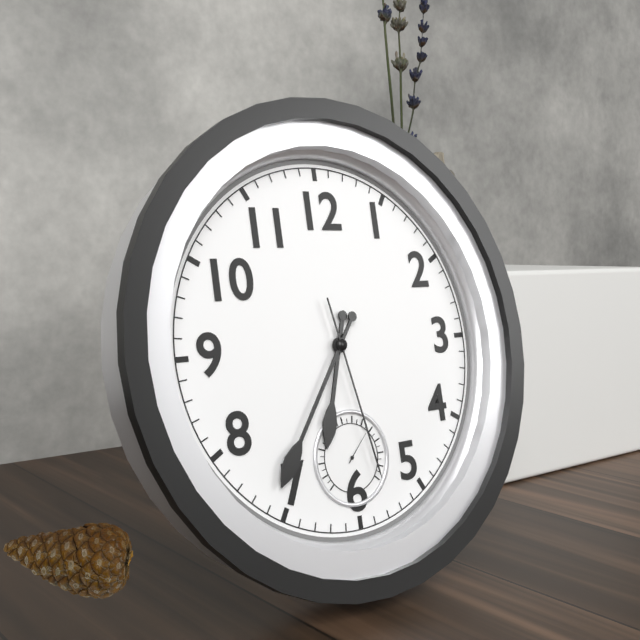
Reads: 6:36:28
